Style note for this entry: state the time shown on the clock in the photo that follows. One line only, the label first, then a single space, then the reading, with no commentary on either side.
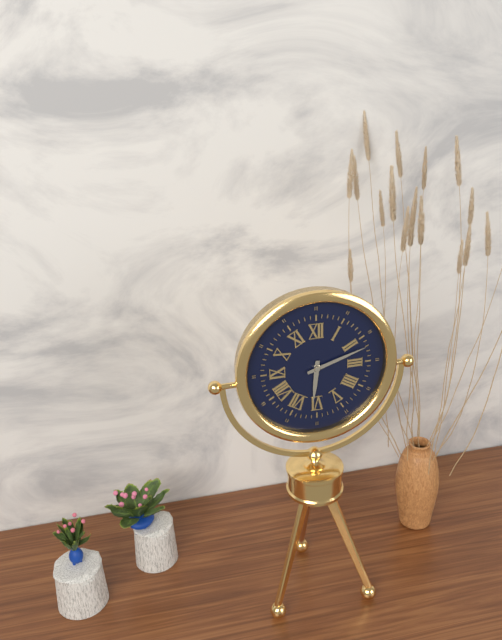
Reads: 6:12
